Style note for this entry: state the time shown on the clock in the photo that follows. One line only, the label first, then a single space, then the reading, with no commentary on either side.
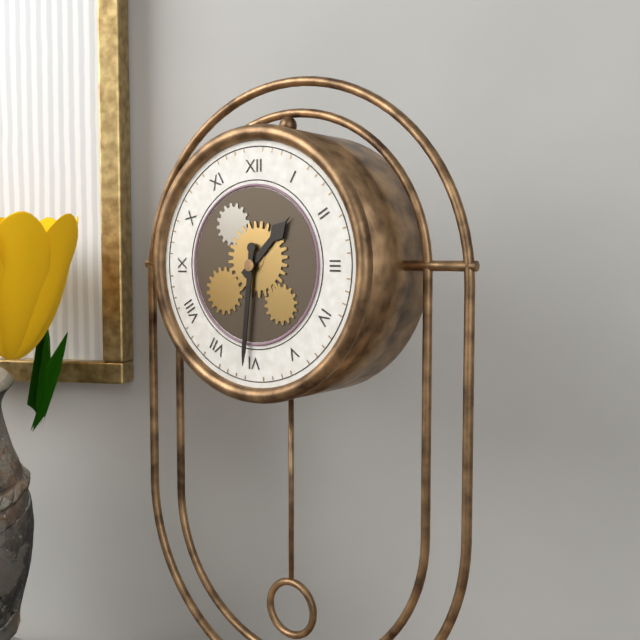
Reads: 1:31
